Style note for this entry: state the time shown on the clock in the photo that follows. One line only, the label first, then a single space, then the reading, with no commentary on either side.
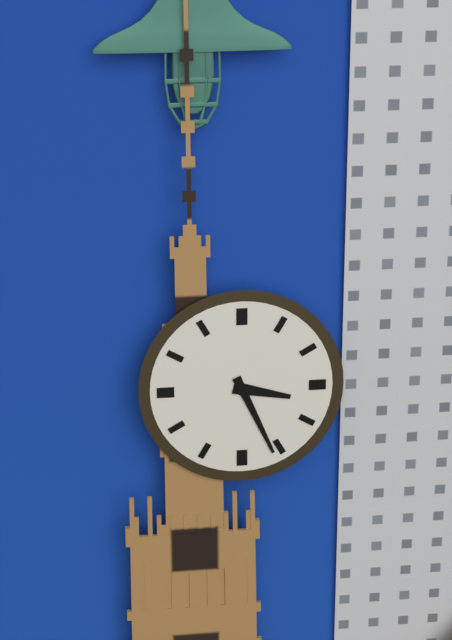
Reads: 3:26
